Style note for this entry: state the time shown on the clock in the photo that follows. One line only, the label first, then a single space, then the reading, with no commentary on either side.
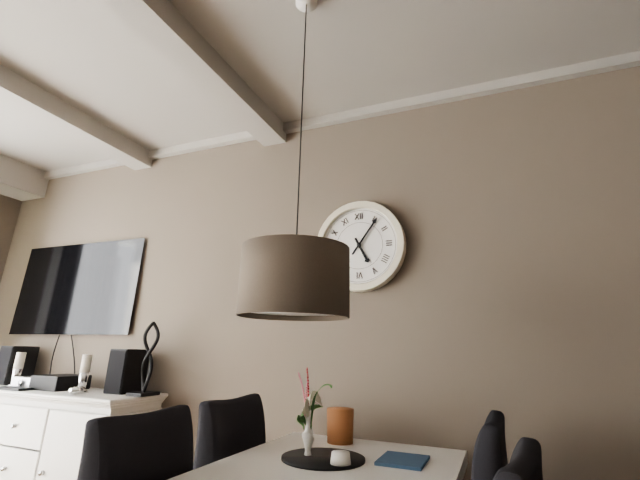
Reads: 5:06
